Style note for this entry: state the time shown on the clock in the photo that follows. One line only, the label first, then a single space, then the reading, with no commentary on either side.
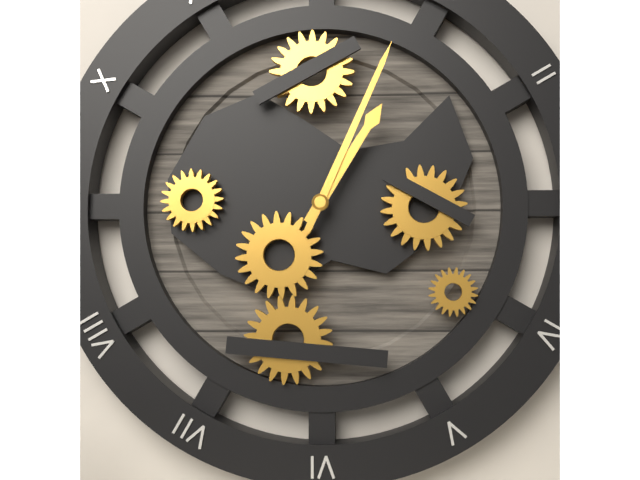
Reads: 1:04
